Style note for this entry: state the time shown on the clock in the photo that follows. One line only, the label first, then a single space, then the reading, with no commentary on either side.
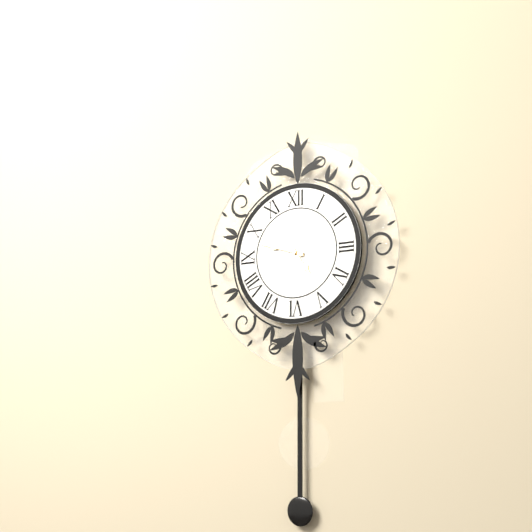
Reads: 4:48
